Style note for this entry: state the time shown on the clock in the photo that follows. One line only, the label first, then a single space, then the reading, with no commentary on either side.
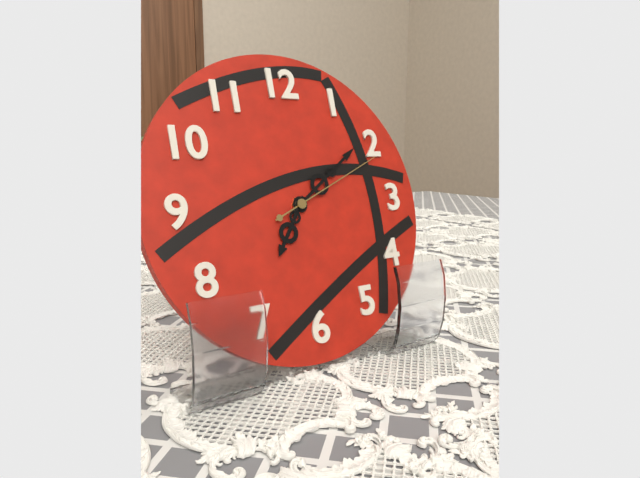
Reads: 7:09:11
